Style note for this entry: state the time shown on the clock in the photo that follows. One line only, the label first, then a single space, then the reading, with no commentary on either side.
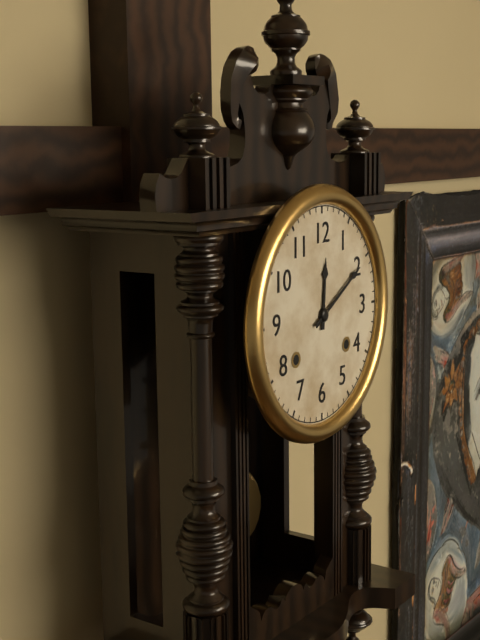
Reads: 12:10
